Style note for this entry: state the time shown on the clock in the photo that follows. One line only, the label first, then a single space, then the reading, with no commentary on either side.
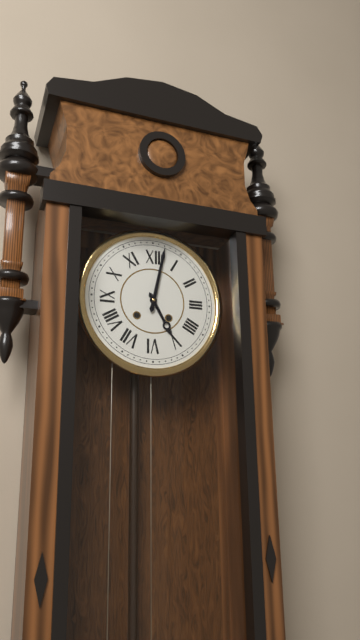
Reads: 5:02
